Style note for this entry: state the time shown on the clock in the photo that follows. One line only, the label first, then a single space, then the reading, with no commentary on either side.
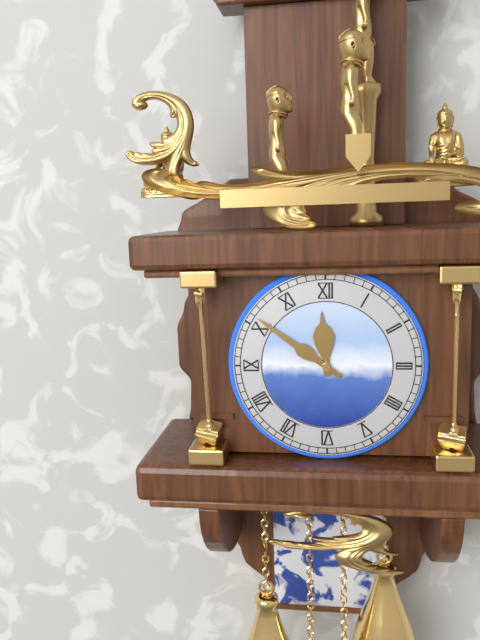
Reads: 11:51
